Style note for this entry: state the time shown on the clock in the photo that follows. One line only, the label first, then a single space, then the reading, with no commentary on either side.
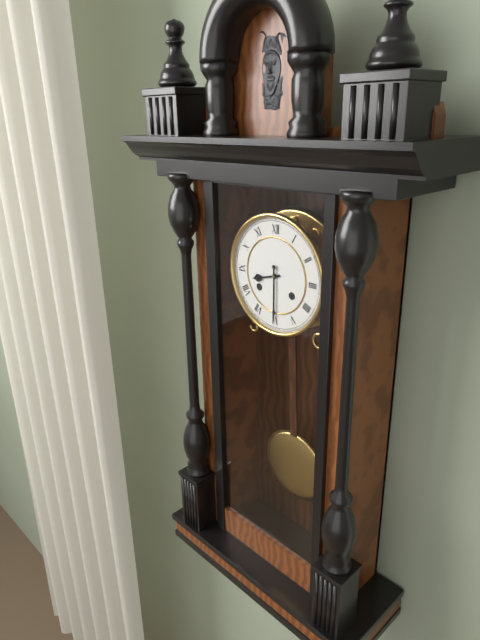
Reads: 8:30
